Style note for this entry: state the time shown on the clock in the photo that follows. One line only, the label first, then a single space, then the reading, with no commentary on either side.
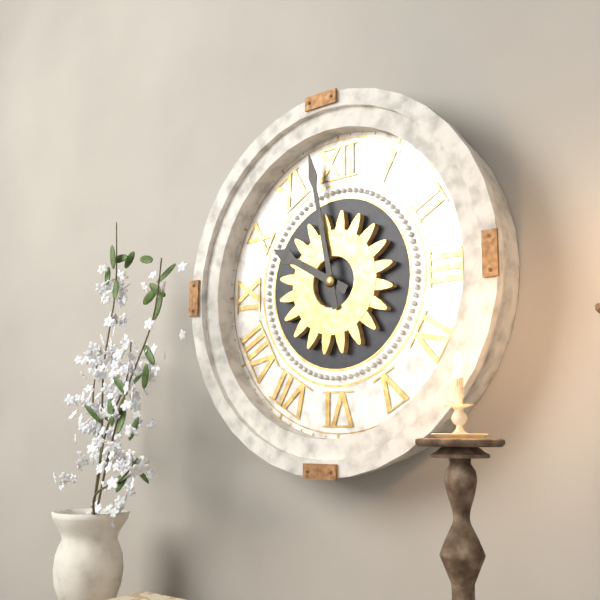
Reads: 9:58
